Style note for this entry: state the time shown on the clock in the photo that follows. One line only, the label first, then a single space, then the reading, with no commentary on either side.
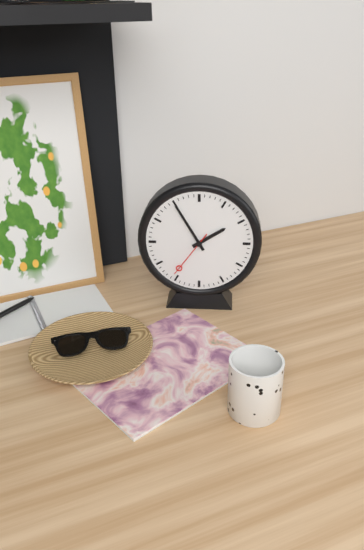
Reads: 1:55:36
